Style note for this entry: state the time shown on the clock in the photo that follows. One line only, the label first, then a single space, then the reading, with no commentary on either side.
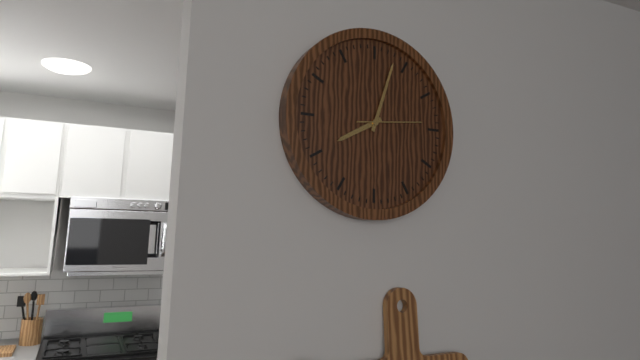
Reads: 8:03:14
